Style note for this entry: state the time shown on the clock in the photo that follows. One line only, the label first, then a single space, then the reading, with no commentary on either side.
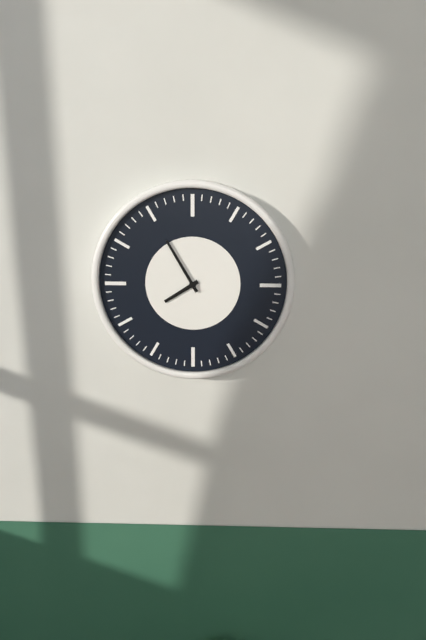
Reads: 7:55
